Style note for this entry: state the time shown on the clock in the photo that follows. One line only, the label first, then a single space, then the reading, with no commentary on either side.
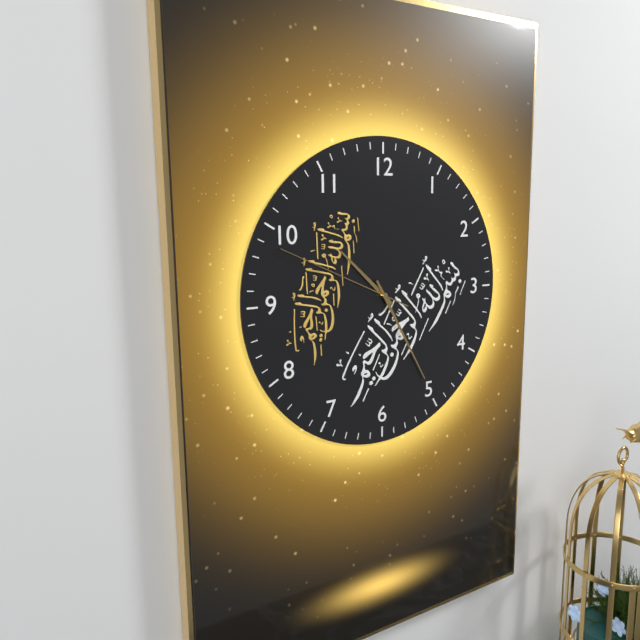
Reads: 10:25:49
